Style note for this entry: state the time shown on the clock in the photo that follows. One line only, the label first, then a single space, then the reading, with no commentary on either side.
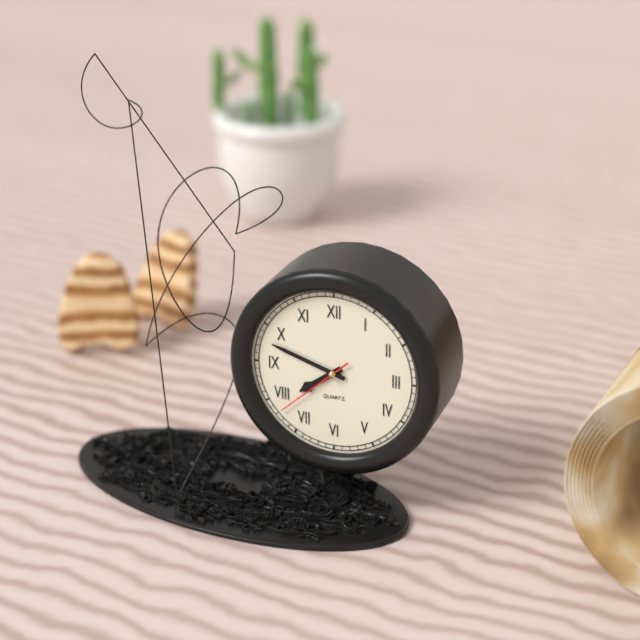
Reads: 7:48:38
